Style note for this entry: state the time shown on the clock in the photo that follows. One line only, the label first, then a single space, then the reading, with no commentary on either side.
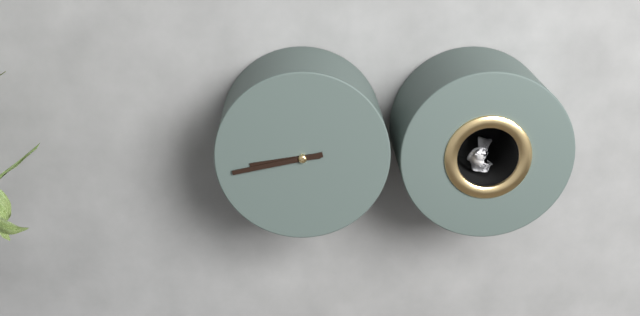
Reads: 8:43
